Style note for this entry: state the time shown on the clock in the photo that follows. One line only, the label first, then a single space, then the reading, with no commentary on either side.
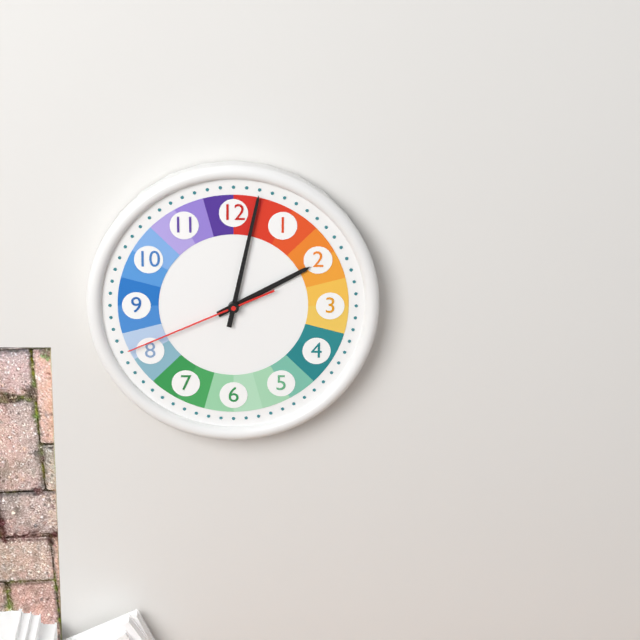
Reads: 2:02:41
